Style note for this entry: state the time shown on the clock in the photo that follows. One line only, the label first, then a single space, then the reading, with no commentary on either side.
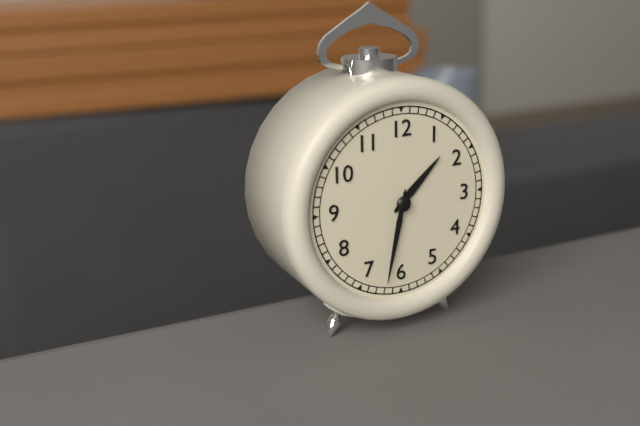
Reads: 1:32
